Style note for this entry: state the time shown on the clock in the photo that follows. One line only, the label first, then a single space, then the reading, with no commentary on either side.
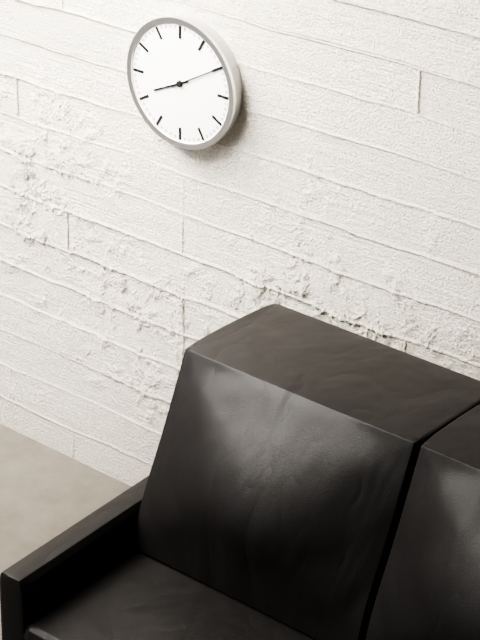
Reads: 8:10
